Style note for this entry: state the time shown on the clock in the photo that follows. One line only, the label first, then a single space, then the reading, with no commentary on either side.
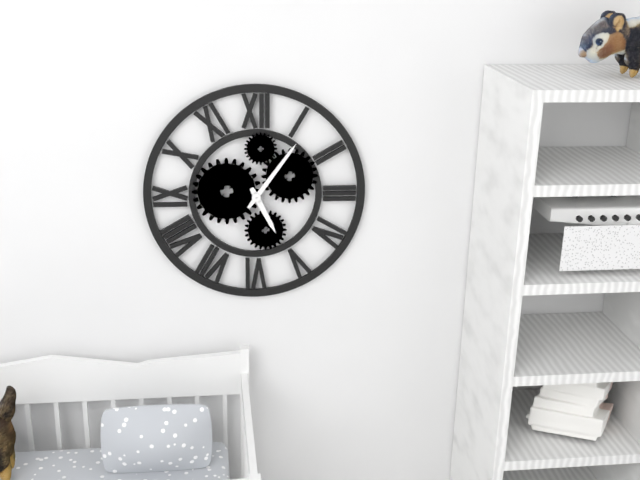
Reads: 5:06
